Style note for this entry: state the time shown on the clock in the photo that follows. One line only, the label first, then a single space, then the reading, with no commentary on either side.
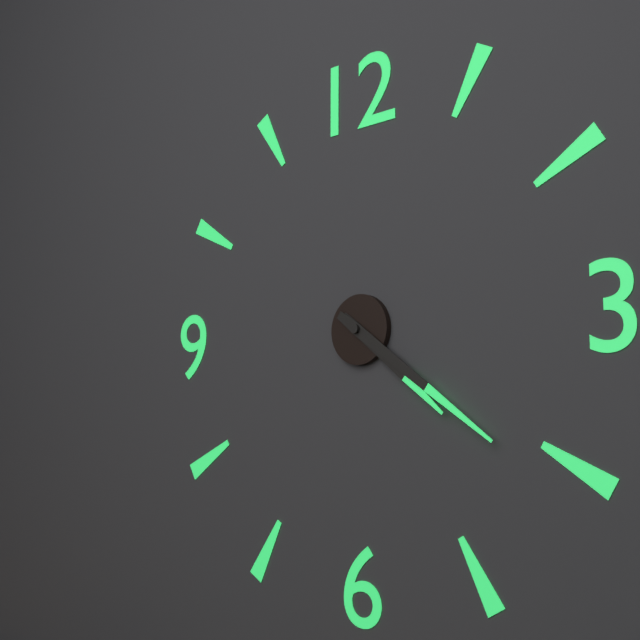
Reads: 4:21
